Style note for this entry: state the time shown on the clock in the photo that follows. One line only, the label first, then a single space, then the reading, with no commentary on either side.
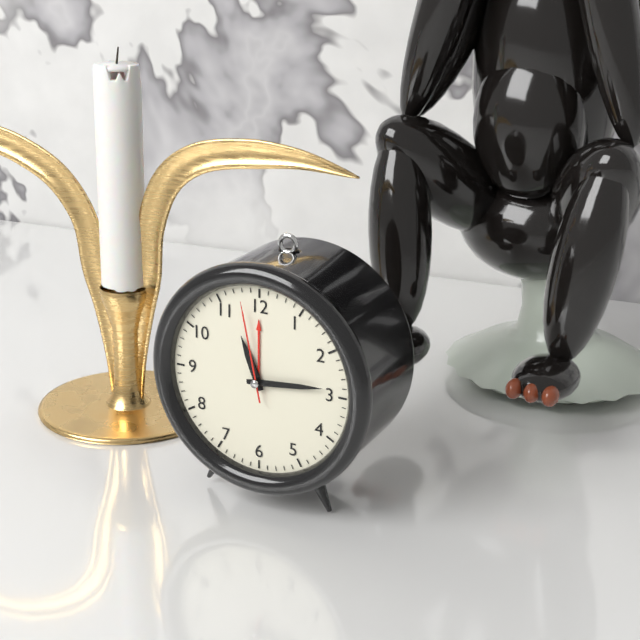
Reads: 11:14:58
